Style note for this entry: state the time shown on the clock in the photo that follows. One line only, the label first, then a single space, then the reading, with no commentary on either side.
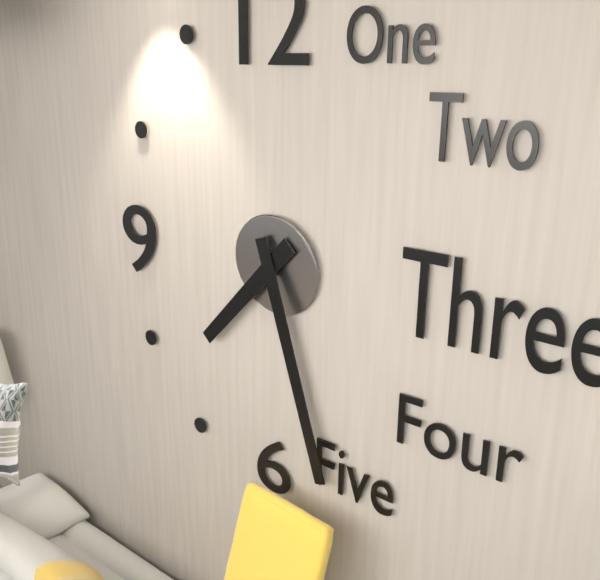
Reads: 7:27
